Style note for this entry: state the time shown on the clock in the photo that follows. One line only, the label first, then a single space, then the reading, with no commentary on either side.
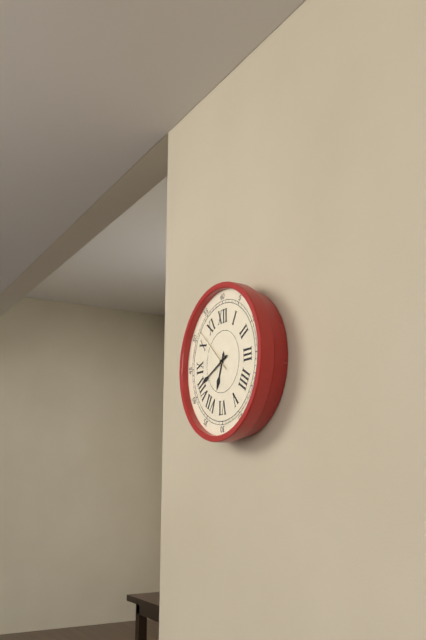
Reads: 6:41
